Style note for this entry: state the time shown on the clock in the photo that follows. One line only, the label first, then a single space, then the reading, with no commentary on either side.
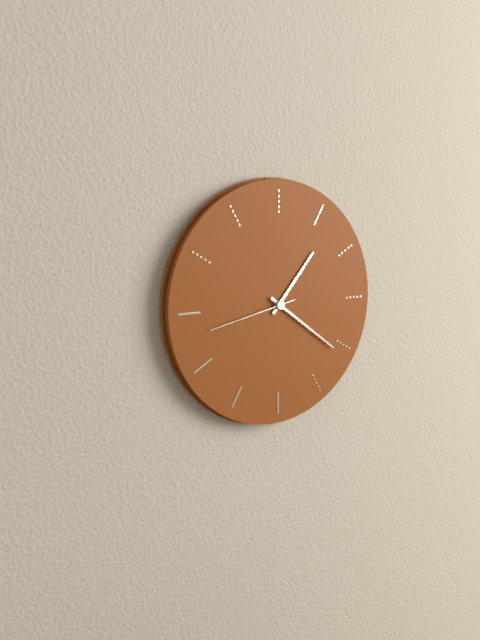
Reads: 1:21:43
